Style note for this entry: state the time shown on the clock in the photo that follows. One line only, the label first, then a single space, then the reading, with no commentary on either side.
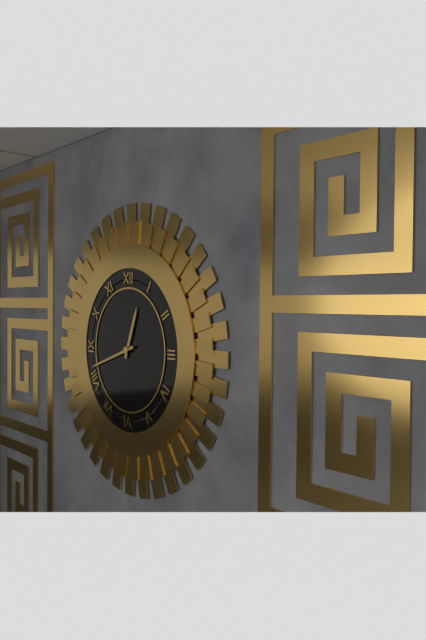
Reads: 12:42
